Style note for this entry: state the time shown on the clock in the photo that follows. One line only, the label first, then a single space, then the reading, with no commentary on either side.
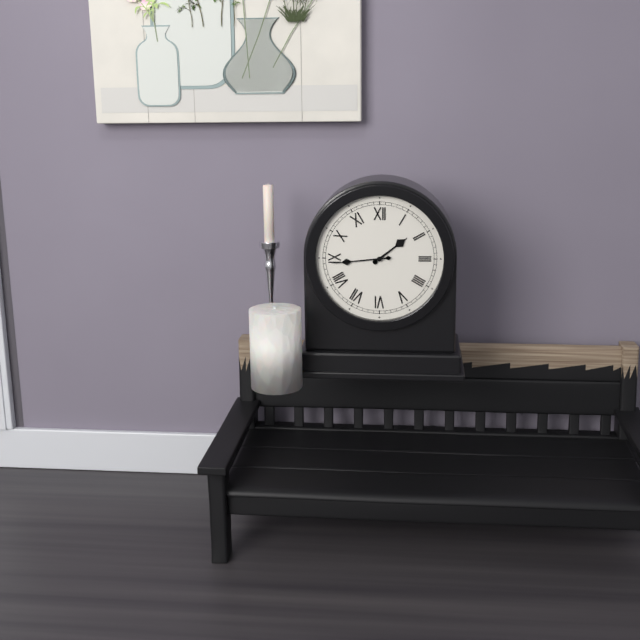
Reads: 1:44
